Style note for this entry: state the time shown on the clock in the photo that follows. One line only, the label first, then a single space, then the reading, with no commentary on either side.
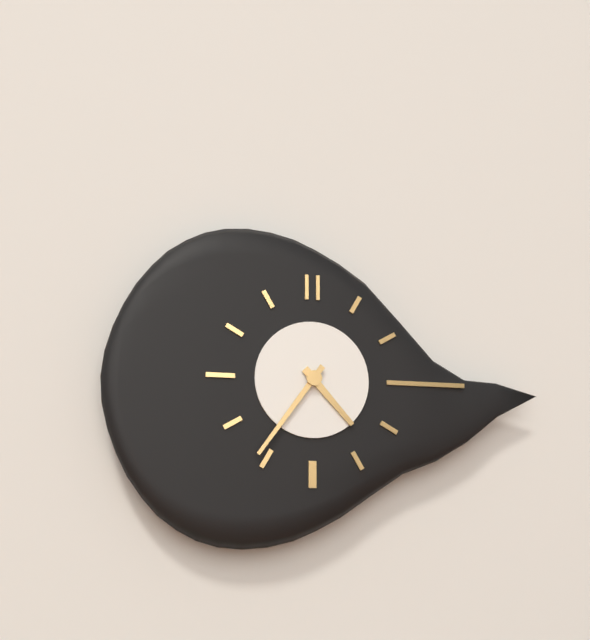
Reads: 4:36
